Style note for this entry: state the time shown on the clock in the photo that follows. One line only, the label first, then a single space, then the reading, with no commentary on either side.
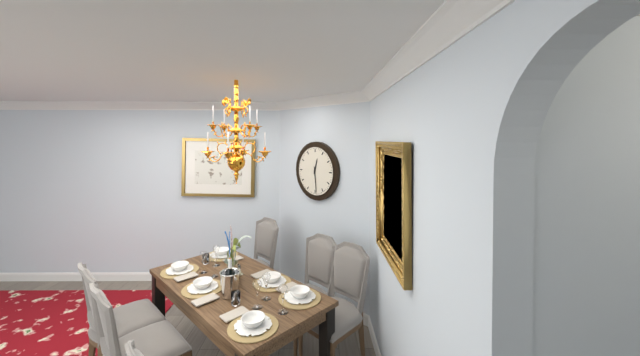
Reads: 12:29
